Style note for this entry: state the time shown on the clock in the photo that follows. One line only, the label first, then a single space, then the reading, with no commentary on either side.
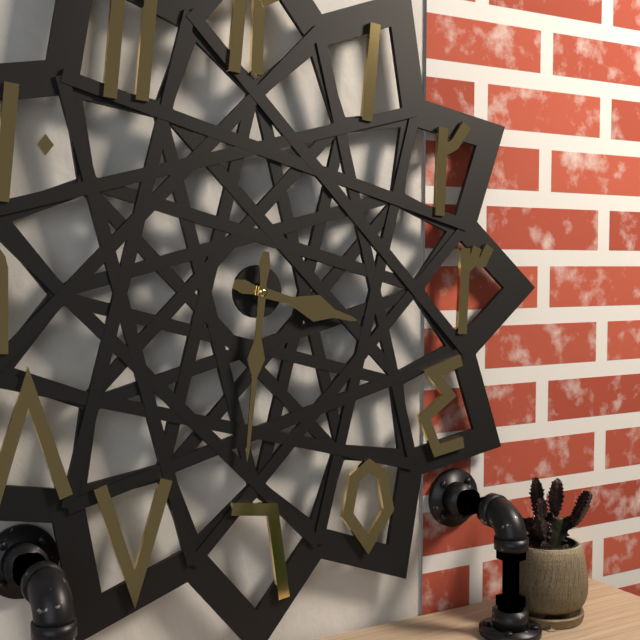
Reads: 3:31
